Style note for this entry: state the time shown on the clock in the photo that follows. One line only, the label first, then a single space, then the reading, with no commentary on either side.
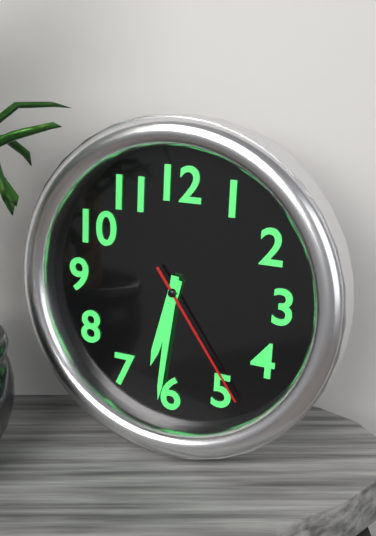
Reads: 6:31:24
